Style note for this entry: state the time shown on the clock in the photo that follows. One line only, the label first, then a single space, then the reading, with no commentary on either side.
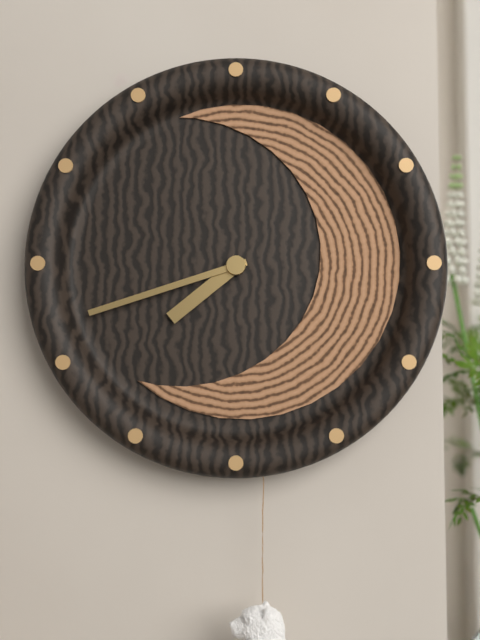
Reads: 7:42
